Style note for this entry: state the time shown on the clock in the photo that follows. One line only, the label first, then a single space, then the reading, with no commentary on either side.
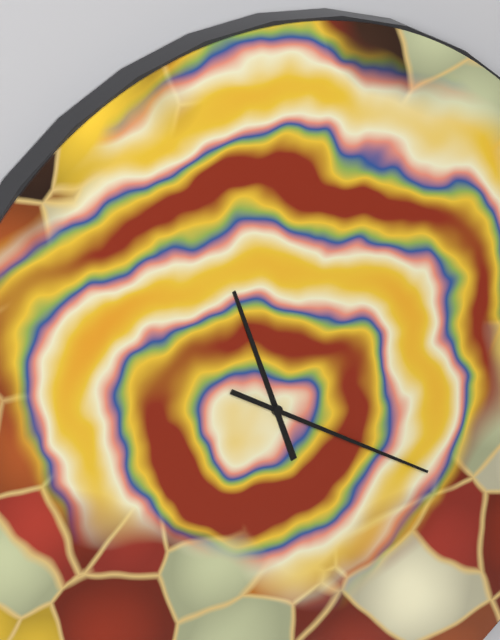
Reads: 11:20
